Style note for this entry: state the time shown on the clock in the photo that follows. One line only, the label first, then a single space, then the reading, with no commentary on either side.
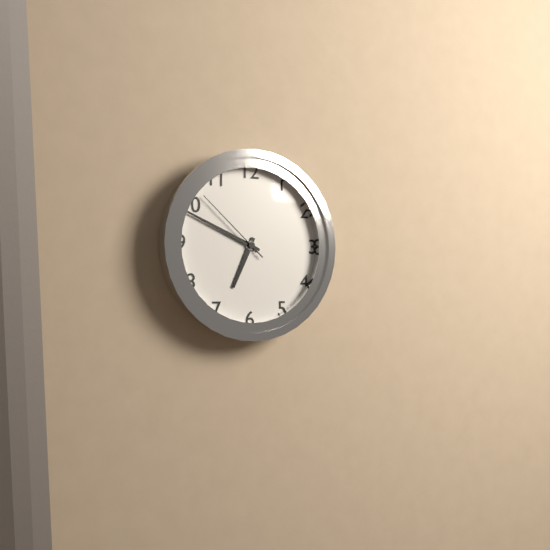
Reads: 6:49:52
